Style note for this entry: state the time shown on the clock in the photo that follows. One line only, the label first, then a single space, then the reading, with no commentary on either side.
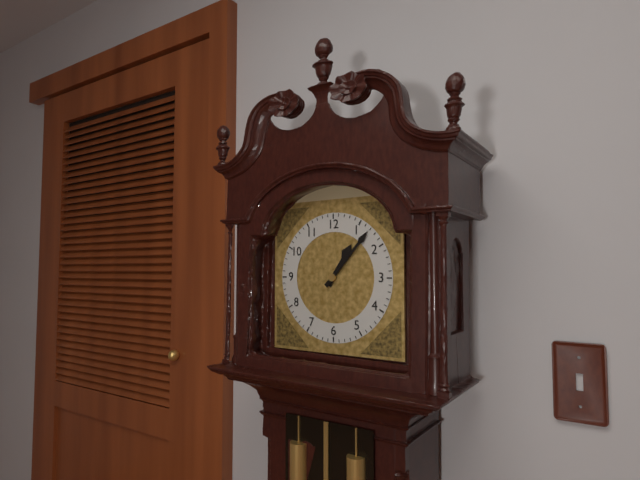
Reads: 1:07
